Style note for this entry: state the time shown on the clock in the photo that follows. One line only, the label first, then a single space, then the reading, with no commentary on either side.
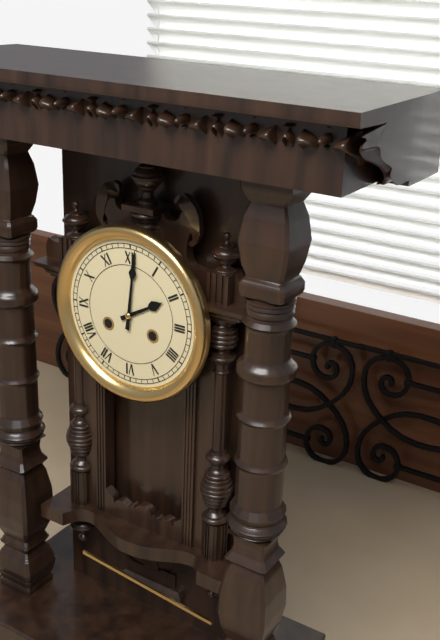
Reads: 2:01
